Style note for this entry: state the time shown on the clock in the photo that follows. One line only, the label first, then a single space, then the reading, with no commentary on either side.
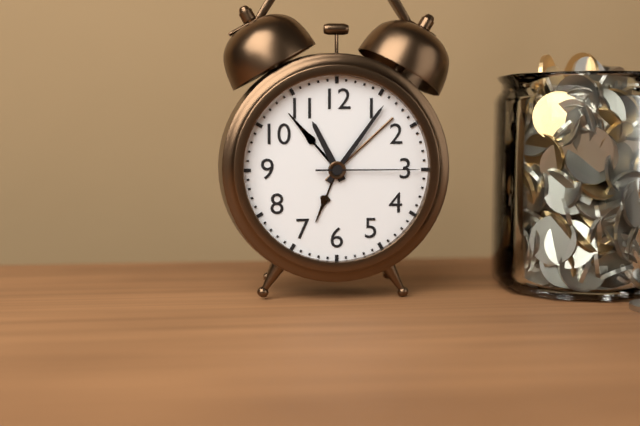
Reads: 11:06:15
